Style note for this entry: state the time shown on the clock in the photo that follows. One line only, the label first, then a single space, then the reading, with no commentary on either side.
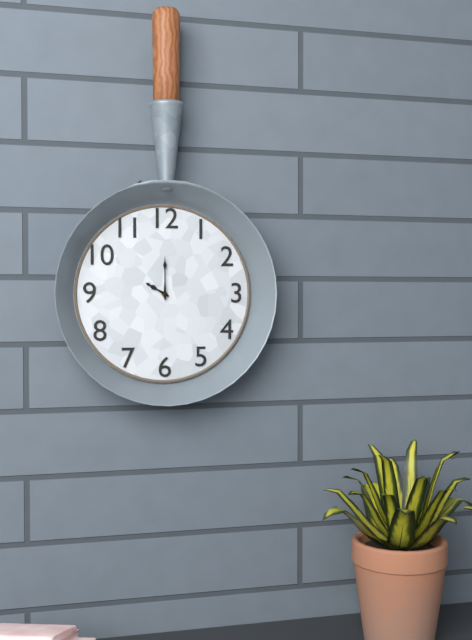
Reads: 10:00
